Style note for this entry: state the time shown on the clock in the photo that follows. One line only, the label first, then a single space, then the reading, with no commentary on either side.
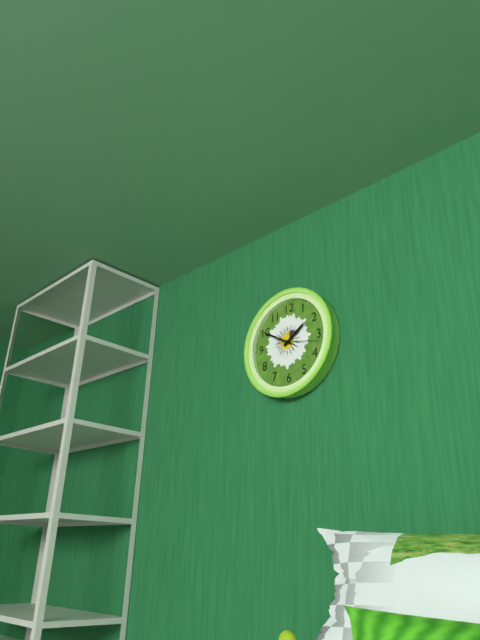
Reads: 1:50
